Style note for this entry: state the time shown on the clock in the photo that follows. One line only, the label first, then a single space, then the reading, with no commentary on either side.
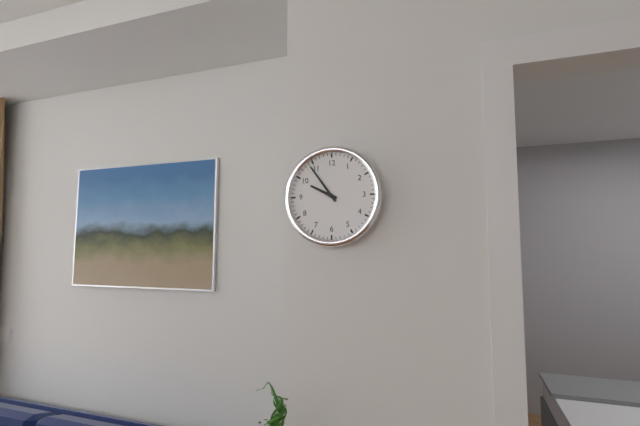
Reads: 9:54
